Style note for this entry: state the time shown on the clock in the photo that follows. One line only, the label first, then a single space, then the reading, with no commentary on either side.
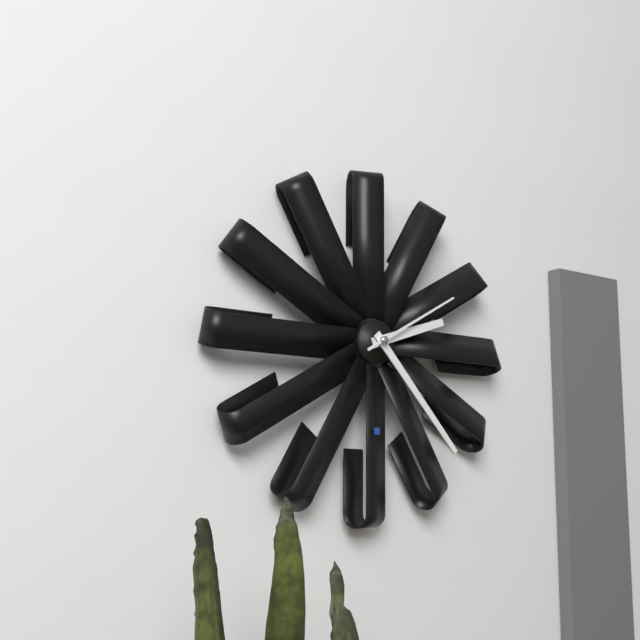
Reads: 2:23:10
